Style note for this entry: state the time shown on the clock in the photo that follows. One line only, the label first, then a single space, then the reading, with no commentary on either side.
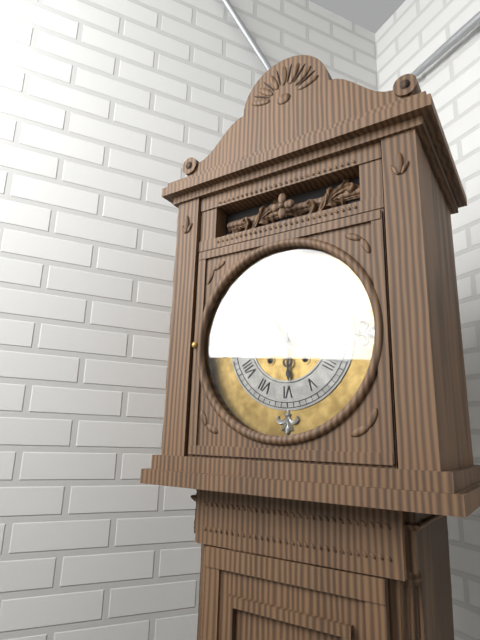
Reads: 5:54
